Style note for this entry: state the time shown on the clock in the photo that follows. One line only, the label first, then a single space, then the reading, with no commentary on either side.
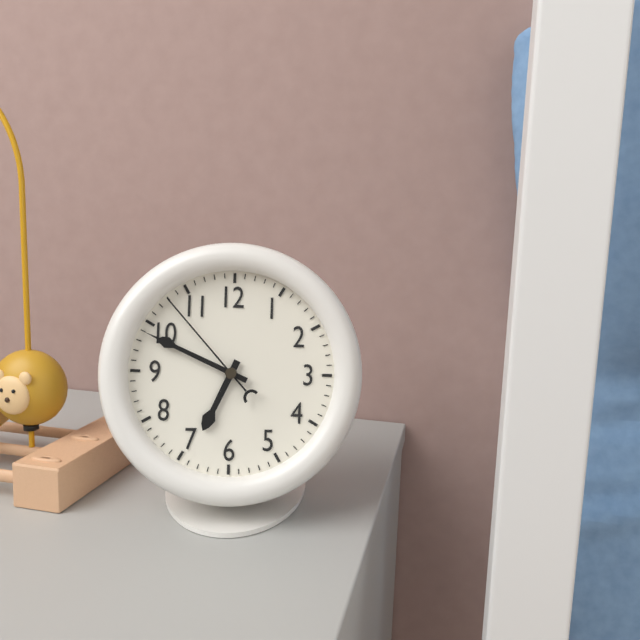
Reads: 6:49:53
